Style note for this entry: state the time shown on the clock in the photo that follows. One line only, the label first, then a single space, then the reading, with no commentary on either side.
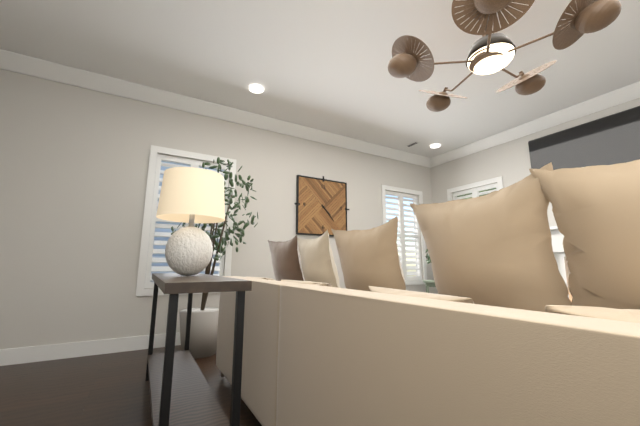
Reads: 4:23
